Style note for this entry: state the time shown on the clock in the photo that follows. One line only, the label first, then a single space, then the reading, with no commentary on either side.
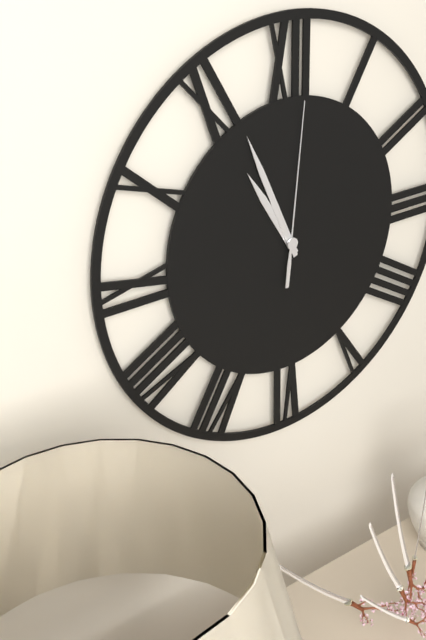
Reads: 10:56:01
